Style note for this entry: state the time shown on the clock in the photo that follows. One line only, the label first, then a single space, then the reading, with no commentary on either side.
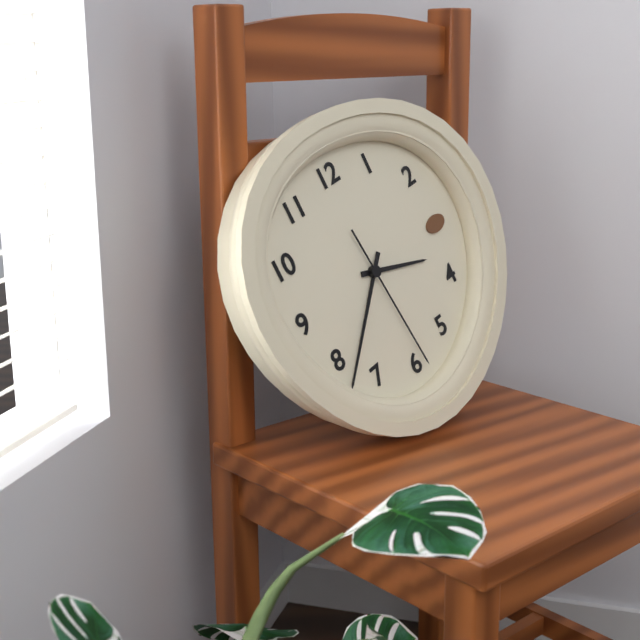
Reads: 3:38:29
